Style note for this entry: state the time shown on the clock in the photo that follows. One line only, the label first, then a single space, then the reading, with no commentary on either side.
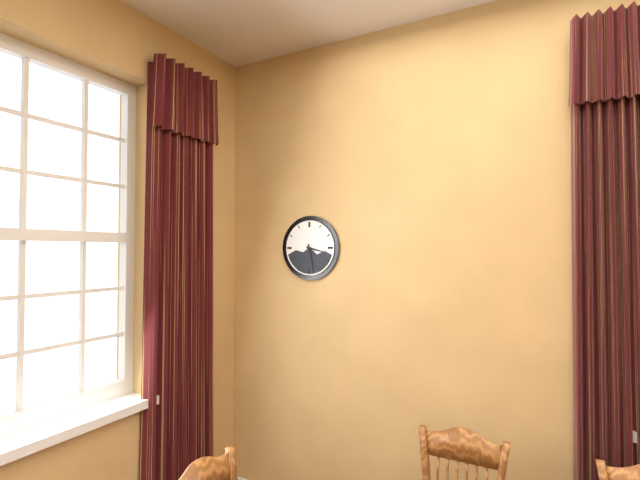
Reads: 3:28
